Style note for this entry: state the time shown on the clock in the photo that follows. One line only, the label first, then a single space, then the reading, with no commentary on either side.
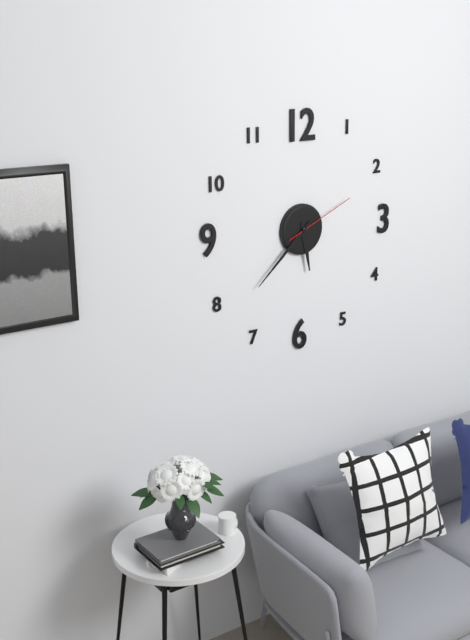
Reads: 5:38:11
